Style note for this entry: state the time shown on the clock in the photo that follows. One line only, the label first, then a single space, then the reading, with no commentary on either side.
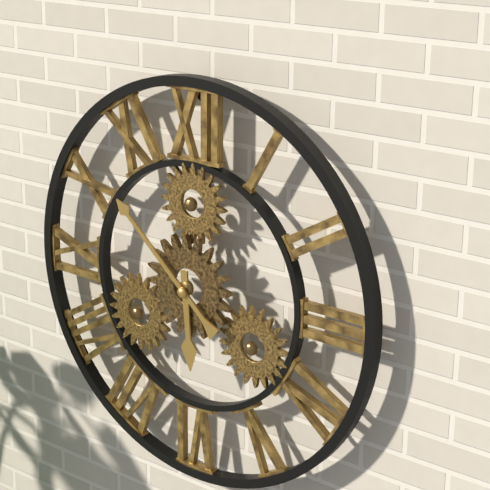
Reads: 5:52
